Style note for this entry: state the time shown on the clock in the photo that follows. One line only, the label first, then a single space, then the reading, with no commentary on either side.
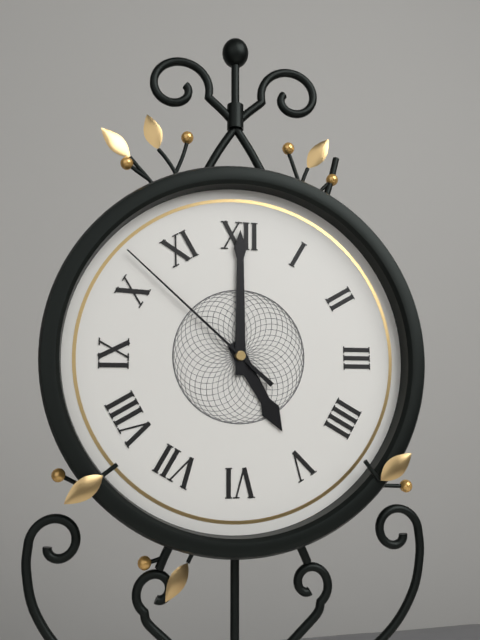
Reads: 5:00:52
